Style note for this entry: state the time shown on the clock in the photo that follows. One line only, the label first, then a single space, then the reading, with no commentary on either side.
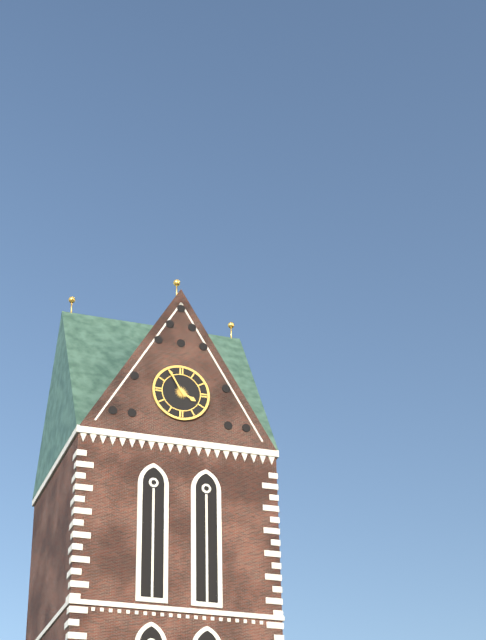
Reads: 3:55
